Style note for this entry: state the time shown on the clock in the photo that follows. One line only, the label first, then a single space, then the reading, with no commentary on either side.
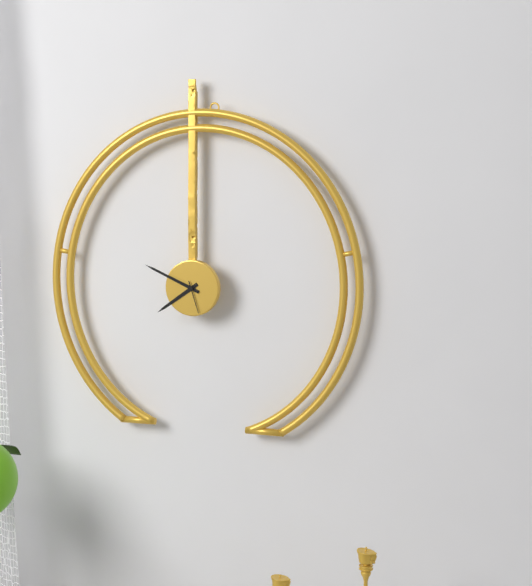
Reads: 7:49
